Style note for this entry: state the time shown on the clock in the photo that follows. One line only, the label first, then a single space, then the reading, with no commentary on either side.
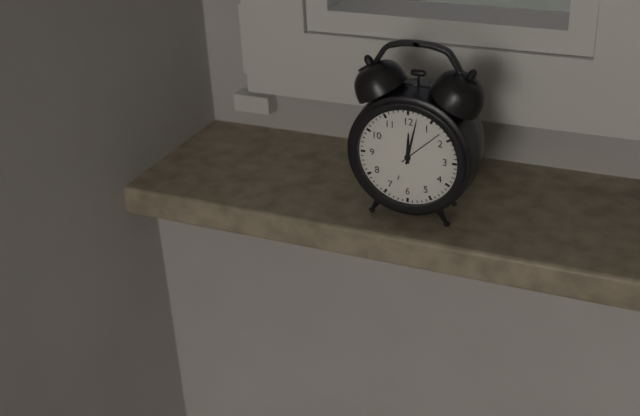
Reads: 12:02
